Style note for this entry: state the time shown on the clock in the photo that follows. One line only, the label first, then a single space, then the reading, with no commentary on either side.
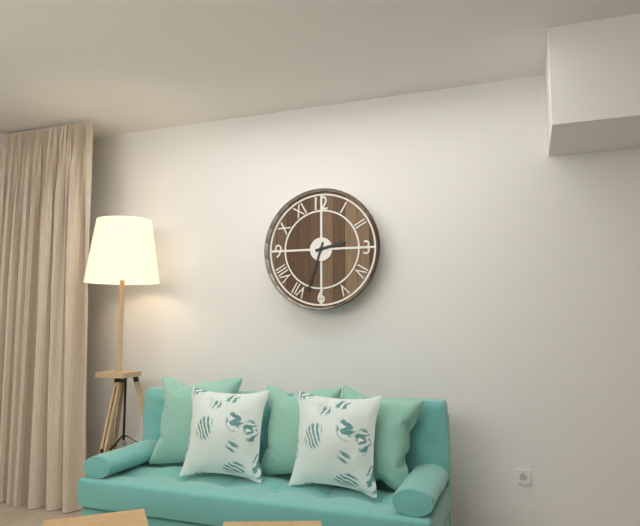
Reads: 2:33
